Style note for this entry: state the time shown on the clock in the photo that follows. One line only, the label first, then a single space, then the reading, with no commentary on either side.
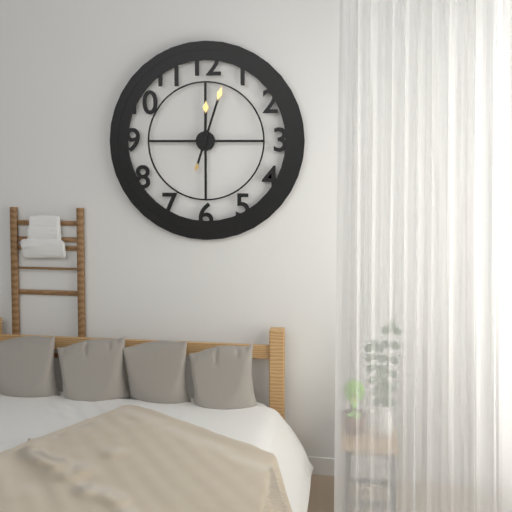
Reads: 12:03
